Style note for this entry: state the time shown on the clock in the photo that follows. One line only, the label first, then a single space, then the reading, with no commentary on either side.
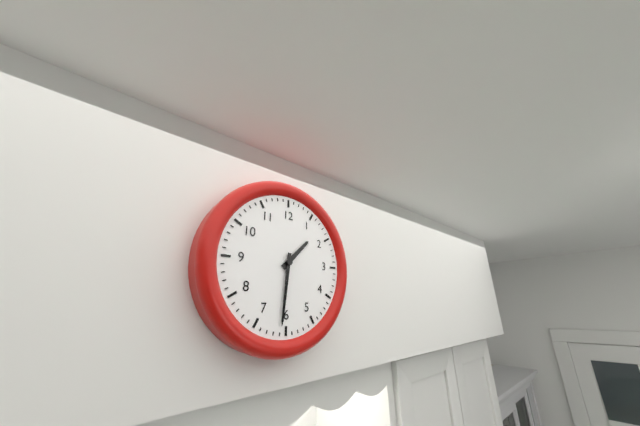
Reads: 1:31
